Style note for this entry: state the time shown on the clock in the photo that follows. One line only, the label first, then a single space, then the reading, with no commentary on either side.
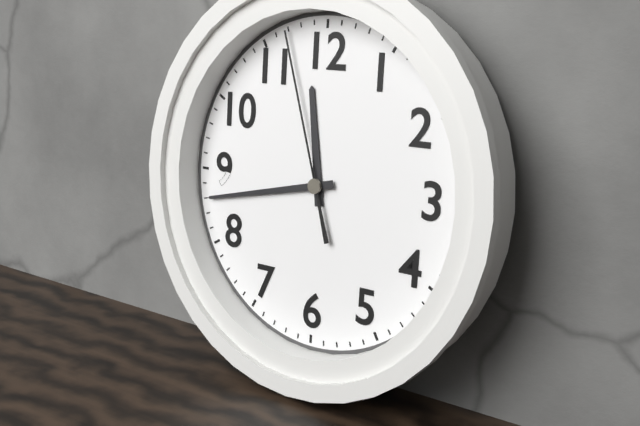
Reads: 11:43:57
